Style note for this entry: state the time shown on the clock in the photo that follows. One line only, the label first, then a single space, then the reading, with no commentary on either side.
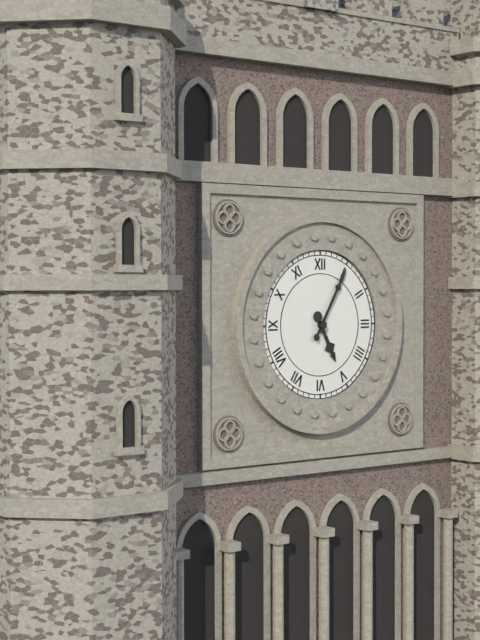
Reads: 5:05
